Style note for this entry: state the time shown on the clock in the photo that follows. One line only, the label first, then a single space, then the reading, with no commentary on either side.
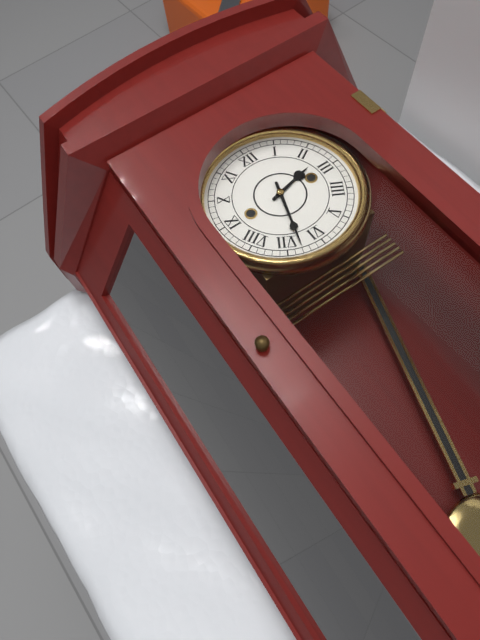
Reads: 2:33
